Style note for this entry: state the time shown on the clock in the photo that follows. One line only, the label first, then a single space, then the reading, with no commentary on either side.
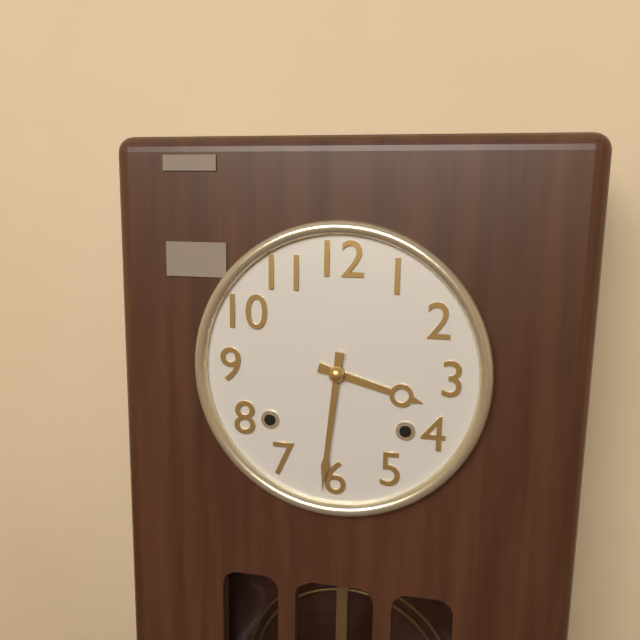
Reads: 3:31
